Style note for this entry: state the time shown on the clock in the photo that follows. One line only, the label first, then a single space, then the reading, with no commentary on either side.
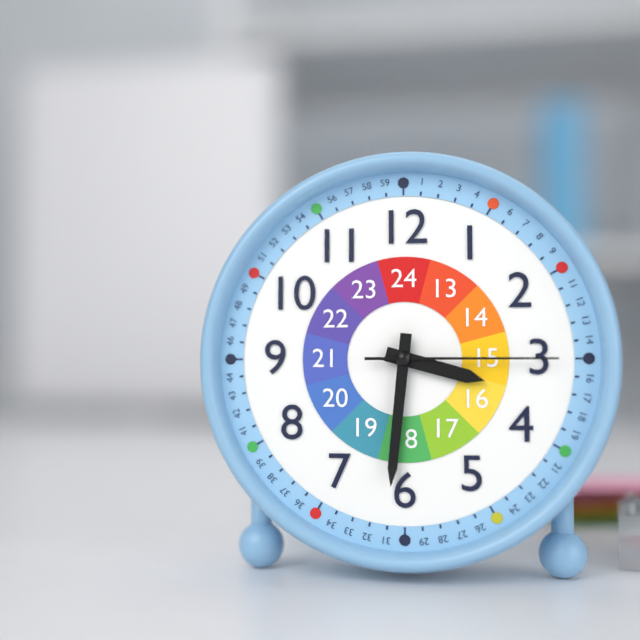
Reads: 3:31:15
